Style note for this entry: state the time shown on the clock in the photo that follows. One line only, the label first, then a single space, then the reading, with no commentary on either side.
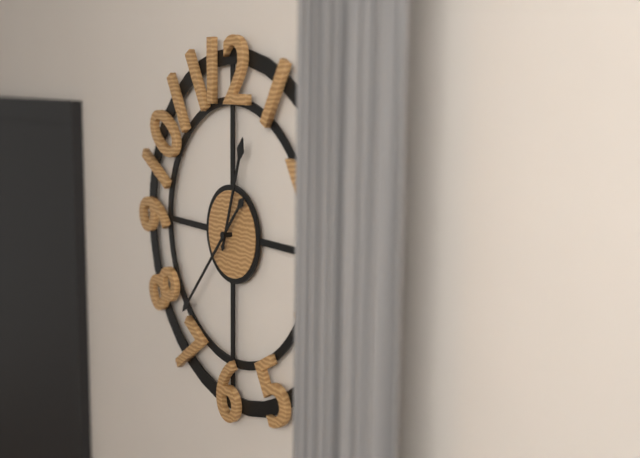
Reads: 12:37
